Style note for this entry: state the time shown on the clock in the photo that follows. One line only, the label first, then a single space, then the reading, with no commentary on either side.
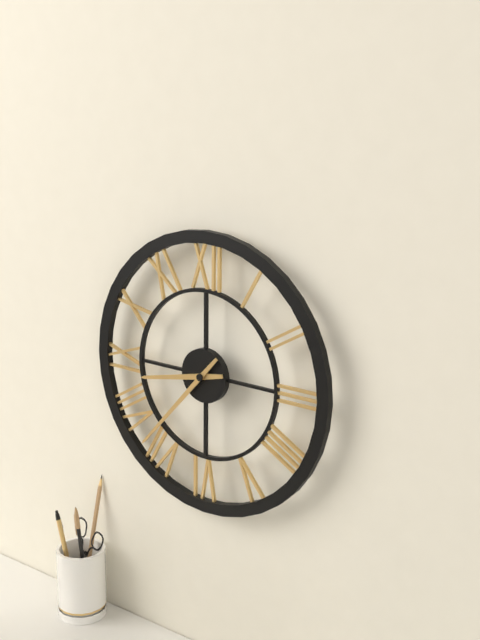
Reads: 8:37
